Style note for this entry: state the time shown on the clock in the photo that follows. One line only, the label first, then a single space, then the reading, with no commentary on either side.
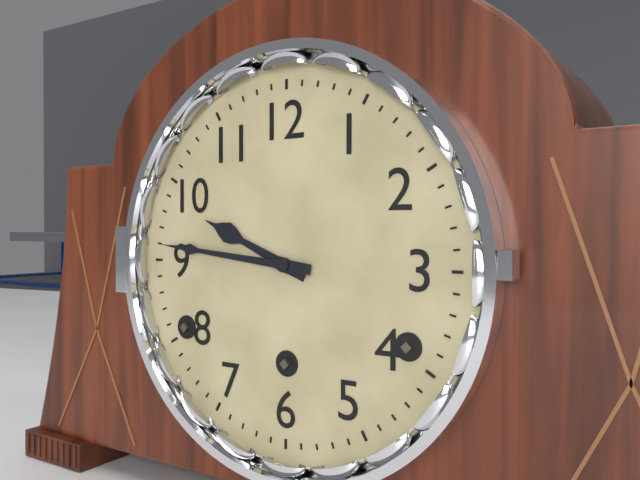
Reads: 9:46
